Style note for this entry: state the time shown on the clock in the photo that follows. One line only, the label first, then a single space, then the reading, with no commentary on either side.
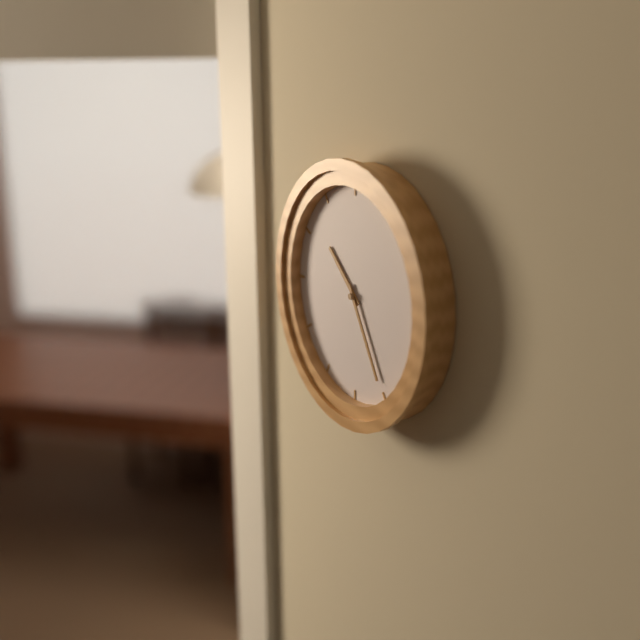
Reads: 10:25
